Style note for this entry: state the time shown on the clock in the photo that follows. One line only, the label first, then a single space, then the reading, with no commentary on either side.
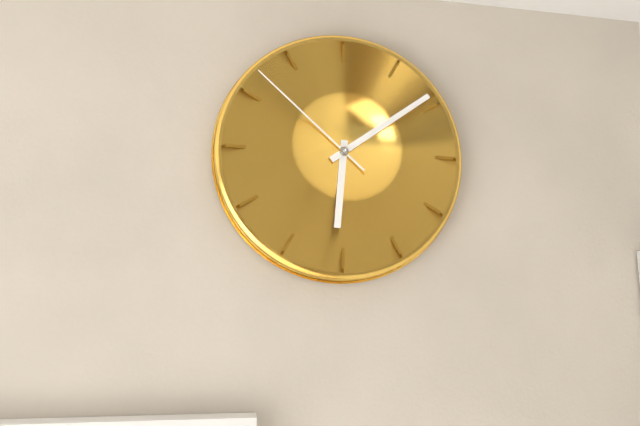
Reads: 6:09:52
